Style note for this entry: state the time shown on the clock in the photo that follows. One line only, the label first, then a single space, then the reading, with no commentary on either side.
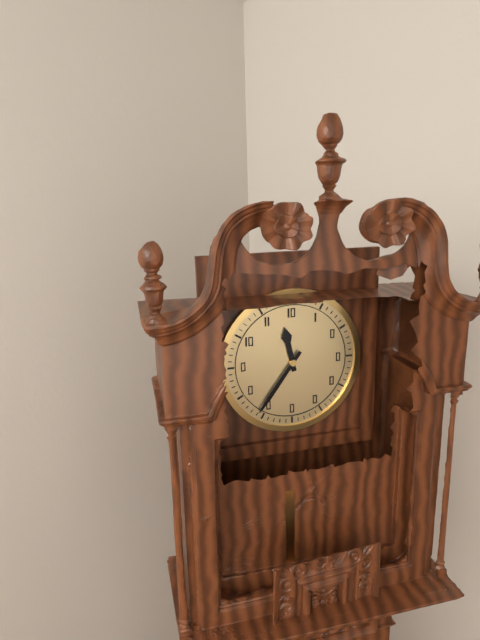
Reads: 11:36
